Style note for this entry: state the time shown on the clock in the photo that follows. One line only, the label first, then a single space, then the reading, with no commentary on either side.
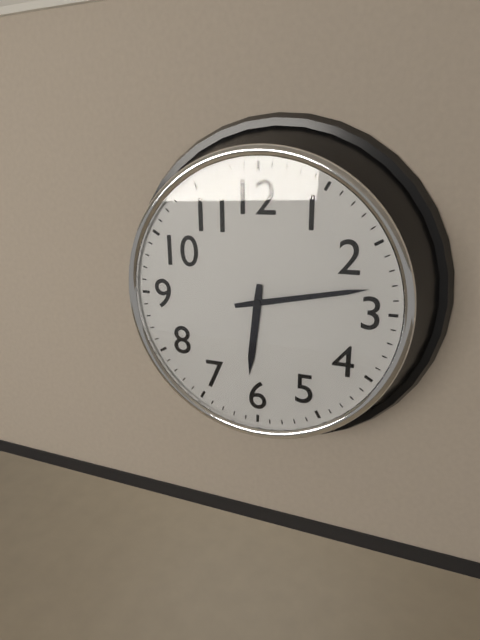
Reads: 6:13
